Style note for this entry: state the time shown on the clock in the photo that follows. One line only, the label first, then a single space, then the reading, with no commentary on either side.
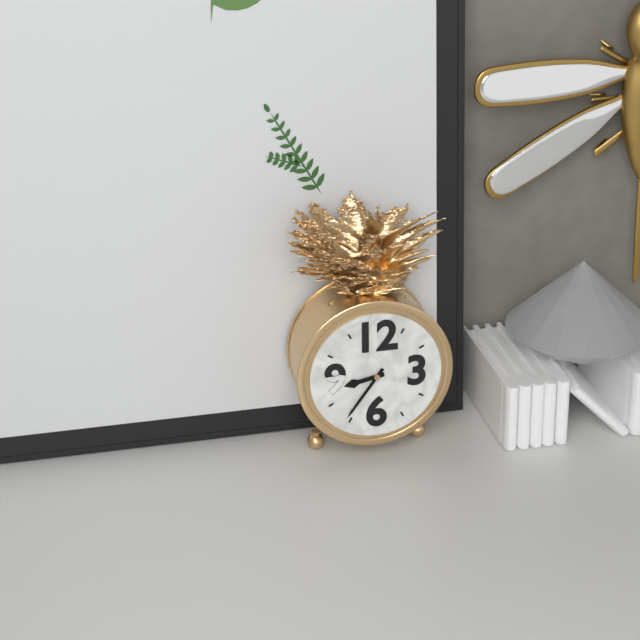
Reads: 8:36
